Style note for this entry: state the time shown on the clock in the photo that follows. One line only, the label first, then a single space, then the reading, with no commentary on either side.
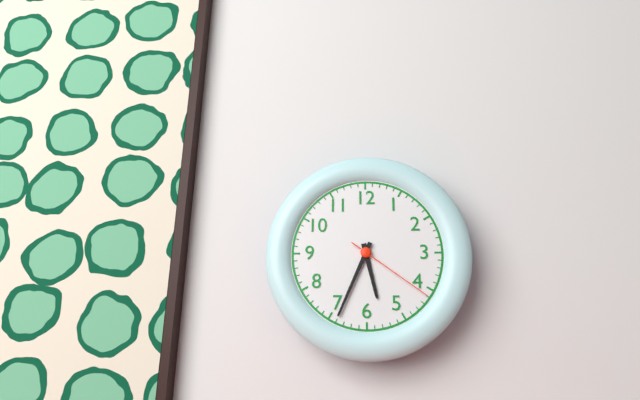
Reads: 5:34:21
